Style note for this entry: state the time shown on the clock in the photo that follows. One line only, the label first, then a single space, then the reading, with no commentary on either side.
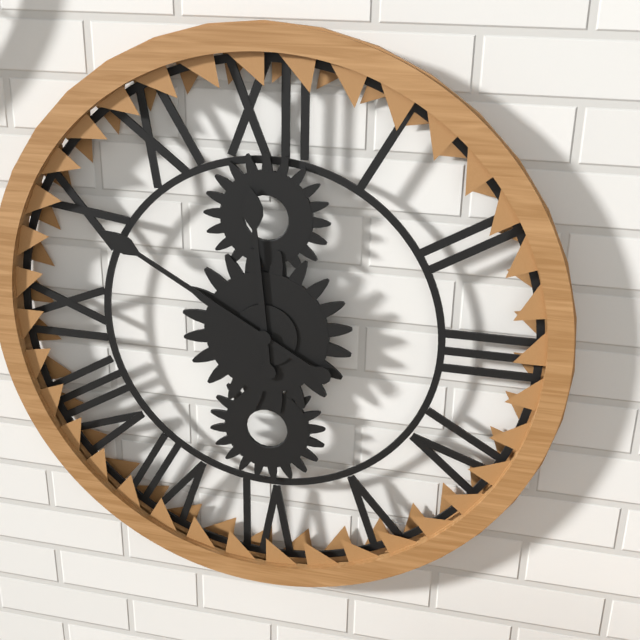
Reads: 11:50
